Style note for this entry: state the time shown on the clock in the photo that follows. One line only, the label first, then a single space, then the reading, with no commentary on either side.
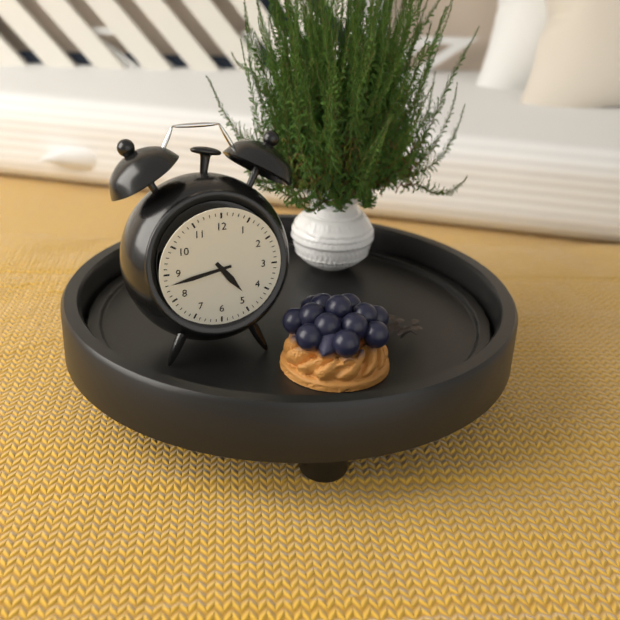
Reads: 4:43
